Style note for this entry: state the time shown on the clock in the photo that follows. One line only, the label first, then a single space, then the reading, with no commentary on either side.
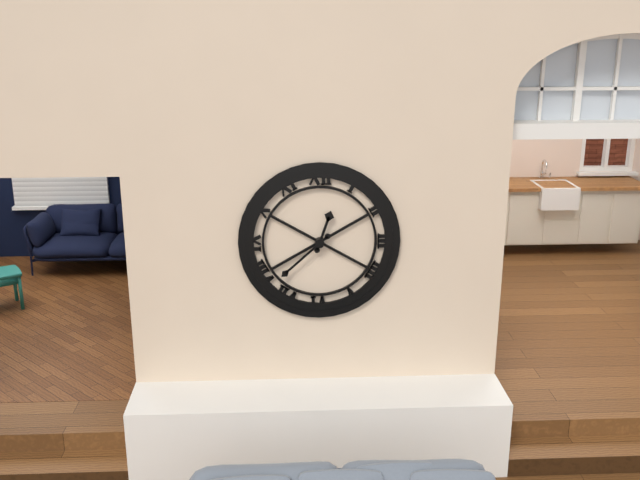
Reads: 12:38
